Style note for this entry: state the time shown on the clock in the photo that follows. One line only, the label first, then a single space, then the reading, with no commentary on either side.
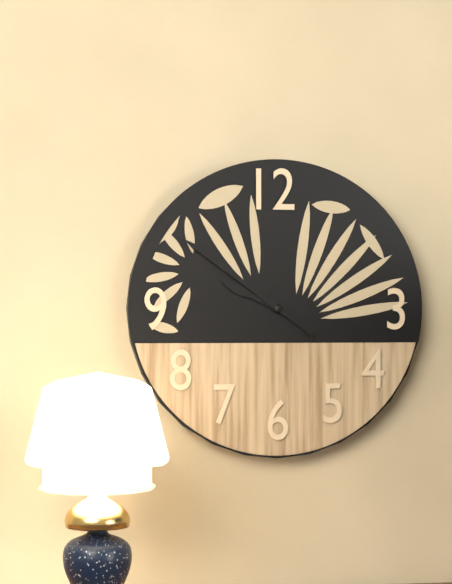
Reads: 9:51
